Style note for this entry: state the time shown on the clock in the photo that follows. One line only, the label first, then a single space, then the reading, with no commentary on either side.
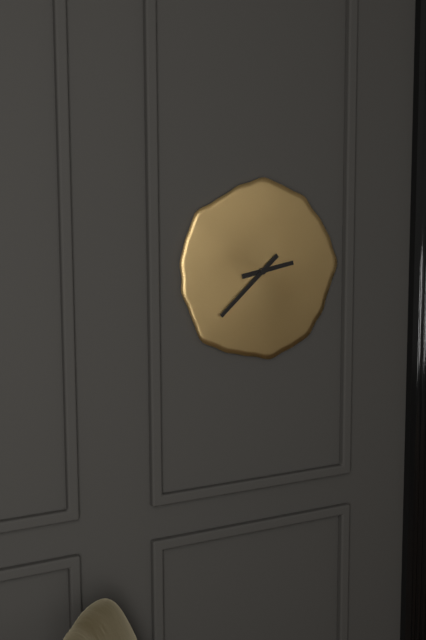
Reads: 2:38
